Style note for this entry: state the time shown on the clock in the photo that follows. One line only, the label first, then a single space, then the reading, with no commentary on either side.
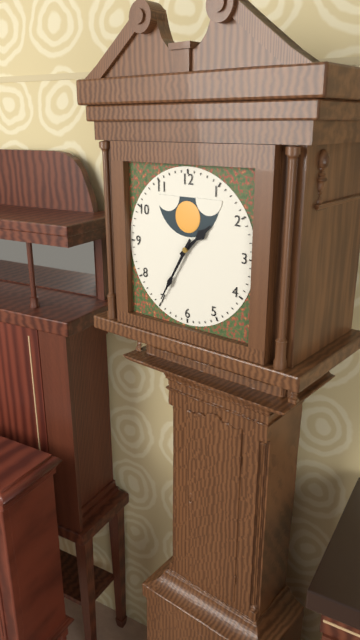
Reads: 1:35
